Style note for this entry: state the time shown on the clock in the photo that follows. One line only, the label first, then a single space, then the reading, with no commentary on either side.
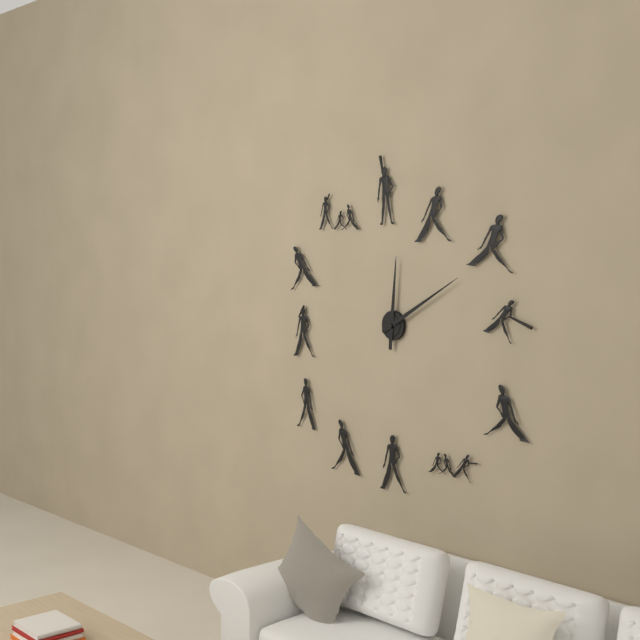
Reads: 12:10
